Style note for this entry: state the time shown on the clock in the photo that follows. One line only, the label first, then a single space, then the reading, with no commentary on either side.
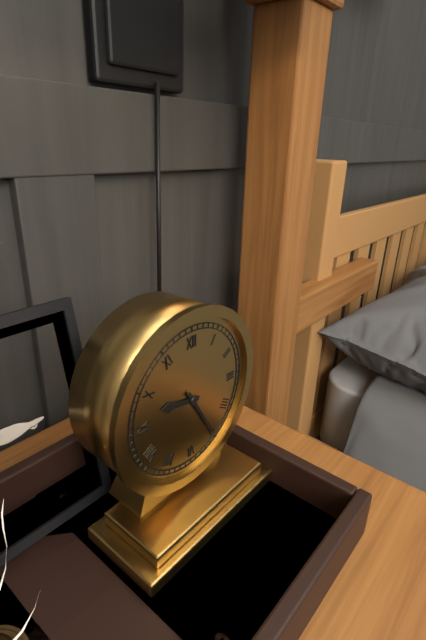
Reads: 9:25
